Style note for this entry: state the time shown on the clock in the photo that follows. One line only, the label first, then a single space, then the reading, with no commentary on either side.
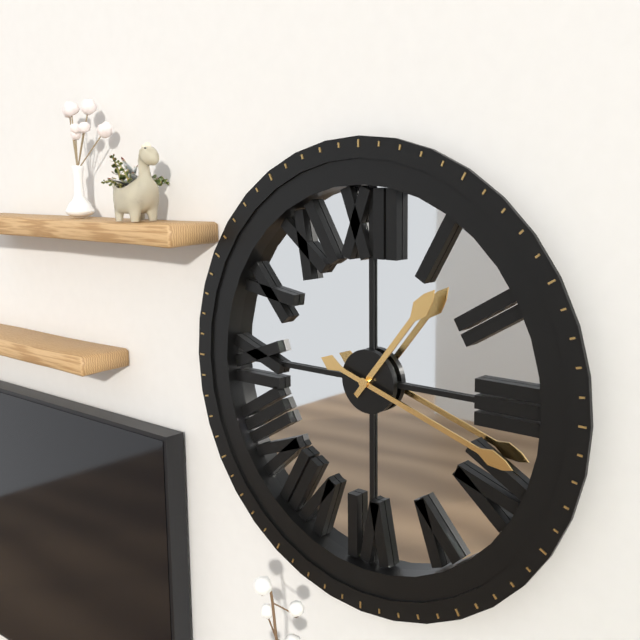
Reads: 1:18
